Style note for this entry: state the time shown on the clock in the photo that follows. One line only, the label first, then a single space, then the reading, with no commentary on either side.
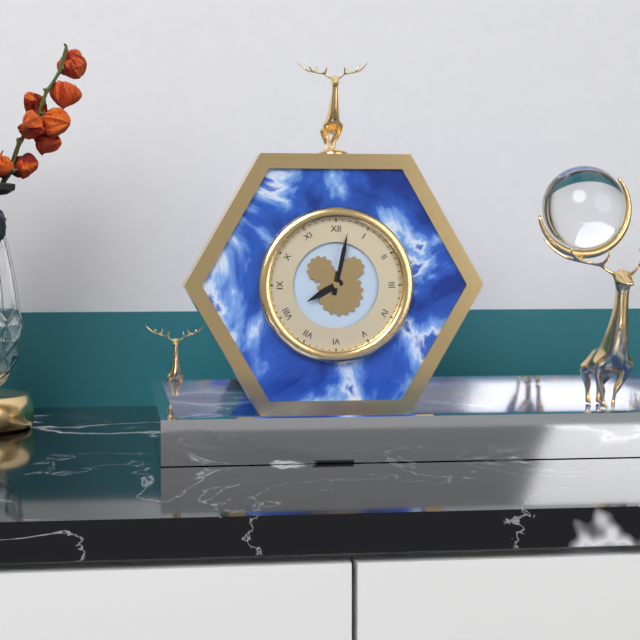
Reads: 8:02
